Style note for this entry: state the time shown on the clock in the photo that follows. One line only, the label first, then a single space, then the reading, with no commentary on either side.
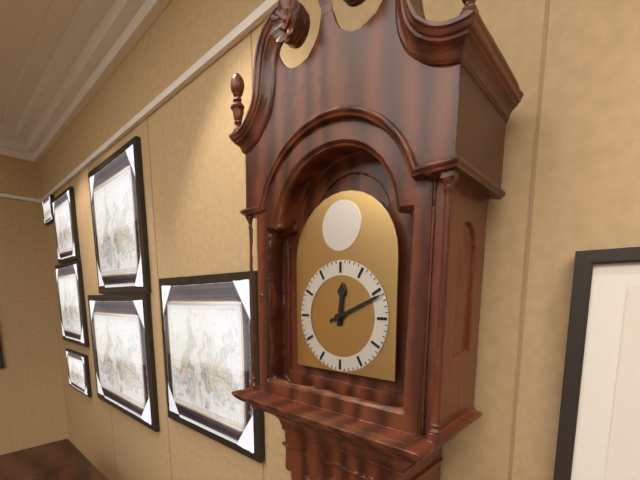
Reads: 12:11
